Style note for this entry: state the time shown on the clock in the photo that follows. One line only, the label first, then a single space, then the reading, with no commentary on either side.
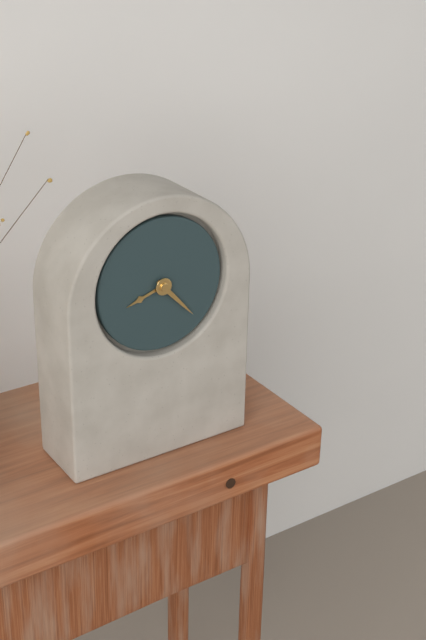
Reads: 8:23
